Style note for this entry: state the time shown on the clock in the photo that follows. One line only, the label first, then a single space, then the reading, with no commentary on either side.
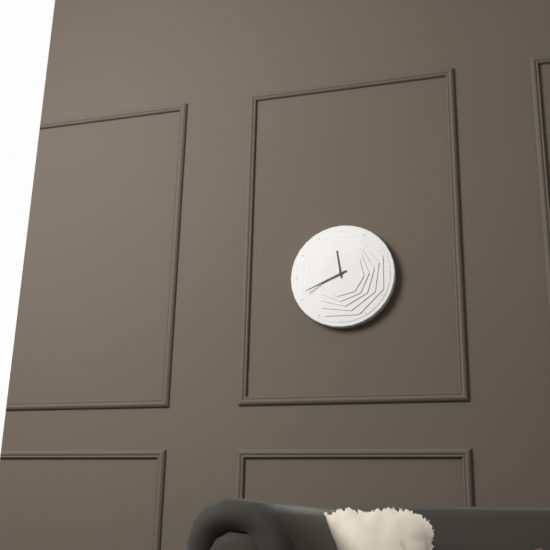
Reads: 11:41
